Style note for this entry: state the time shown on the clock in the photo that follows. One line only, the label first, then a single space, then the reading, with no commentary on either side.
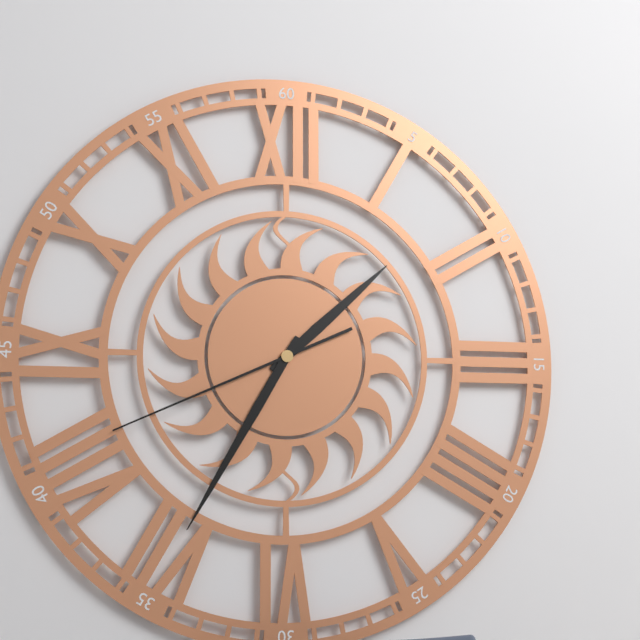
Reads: 1:35:41
